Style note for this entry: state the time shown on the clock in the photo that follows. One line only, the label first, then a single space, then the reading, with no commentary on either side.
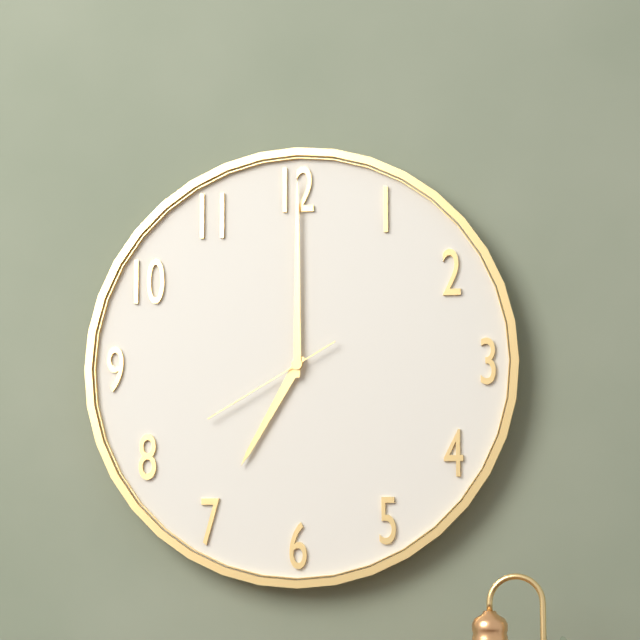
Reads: 7:00:40
